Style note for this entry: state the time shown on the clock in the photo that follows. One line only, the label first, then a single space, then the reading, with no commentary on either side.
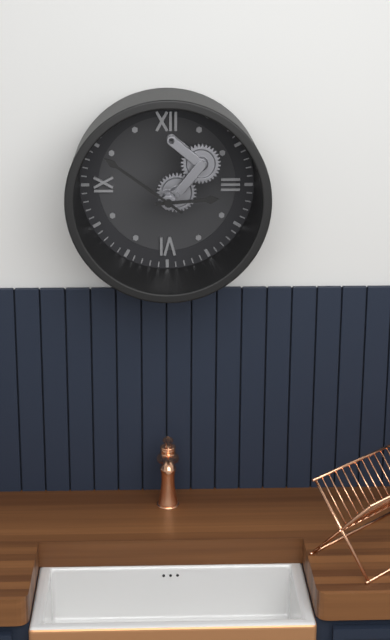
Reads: 2:51
